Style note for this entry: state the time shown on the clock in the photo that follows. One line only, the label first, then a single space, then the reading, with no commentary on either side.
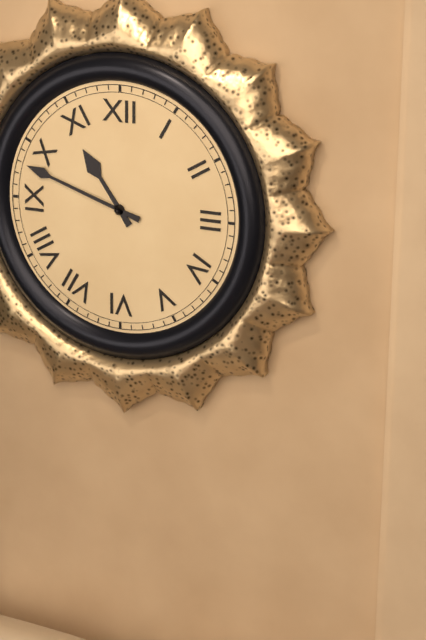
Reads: 10:48
